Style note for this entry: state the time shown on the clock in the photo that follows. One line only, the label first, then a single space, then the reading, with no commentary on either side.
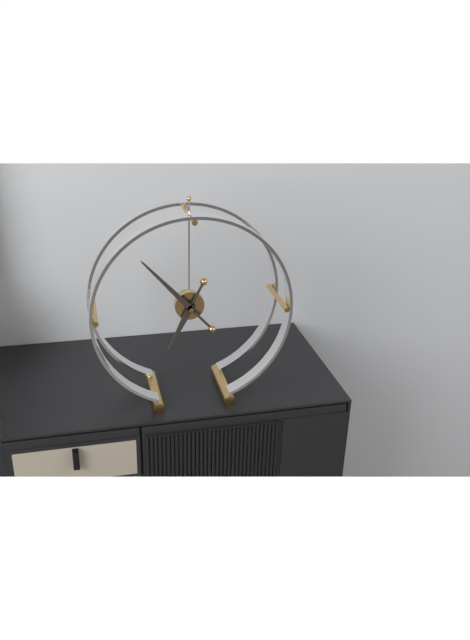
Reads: 6:53
